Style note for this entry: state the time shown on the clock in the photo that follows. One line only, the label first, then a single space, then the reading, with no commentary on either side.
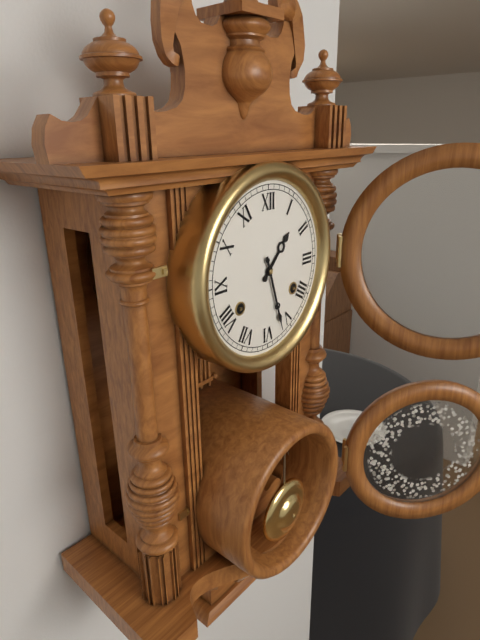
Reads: 1:27
